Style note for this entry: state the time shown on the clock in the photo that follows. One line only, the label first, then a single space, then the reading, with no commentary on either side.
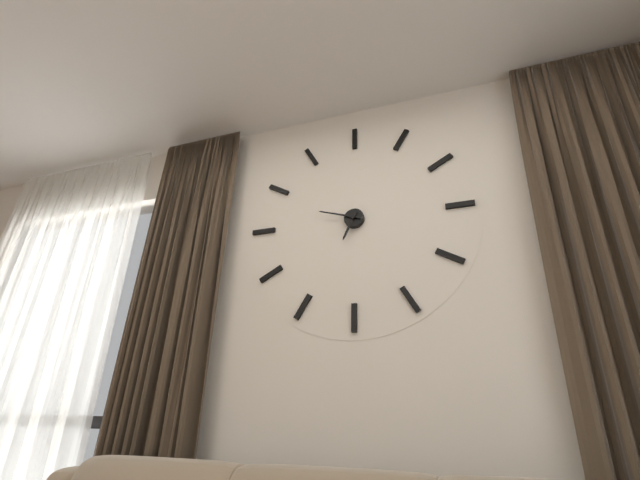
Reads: 6:48
